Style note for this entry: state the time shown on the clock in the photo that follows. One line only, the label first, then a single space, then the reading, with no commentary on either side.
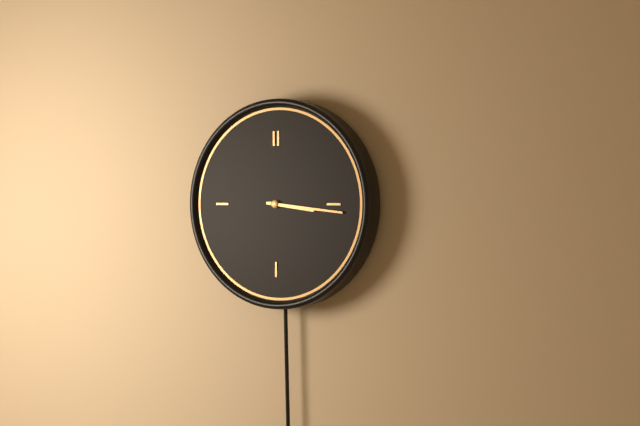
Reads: 3:16
